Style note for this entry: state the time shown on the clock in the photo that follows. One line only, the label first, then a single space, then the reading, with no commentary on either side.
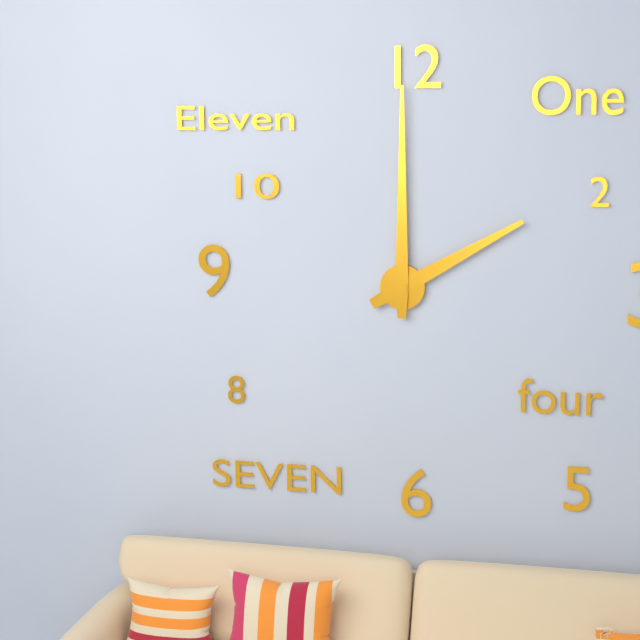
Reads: 2:00
